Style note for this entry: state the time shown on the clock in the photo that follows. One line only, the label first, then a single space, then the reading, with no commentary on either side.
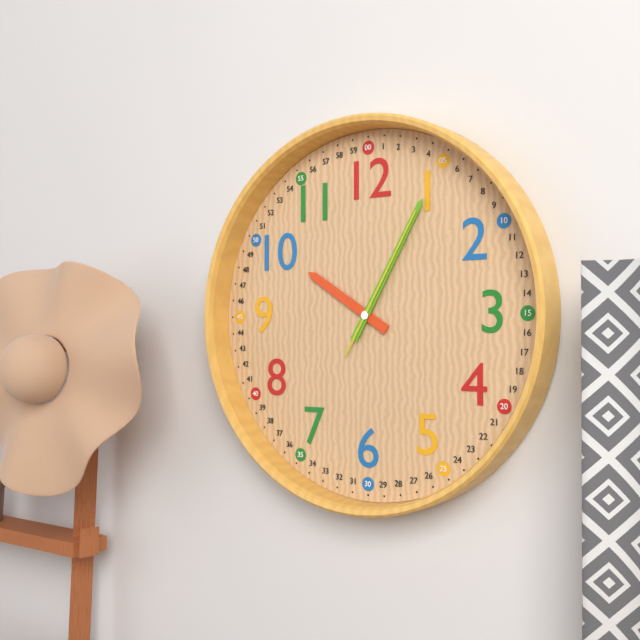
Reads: 10:05:05
